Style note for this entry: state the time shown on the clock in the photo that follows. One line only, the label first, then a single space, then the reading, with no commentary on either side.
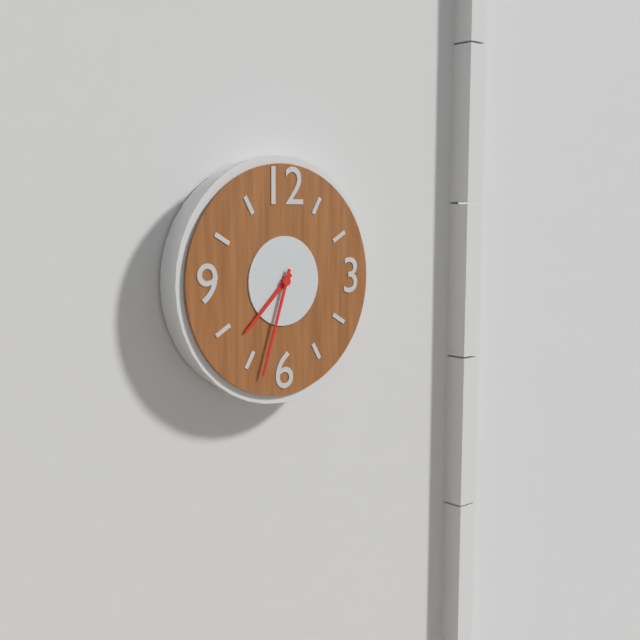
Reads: 7:33
